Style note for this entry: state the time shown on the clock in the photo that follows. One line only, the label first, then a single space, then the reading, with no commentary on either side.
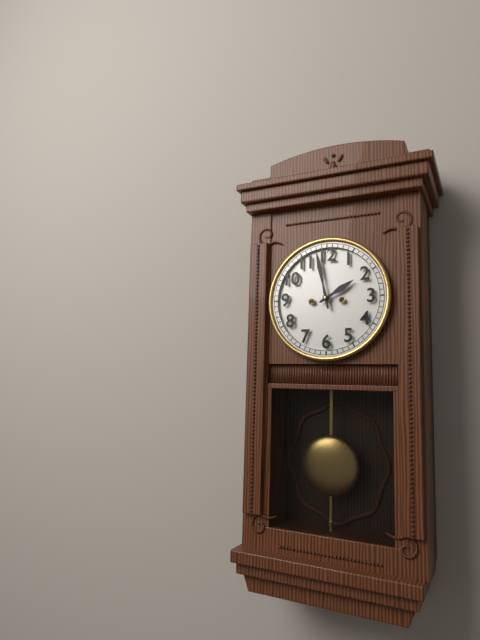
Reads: 1:58
